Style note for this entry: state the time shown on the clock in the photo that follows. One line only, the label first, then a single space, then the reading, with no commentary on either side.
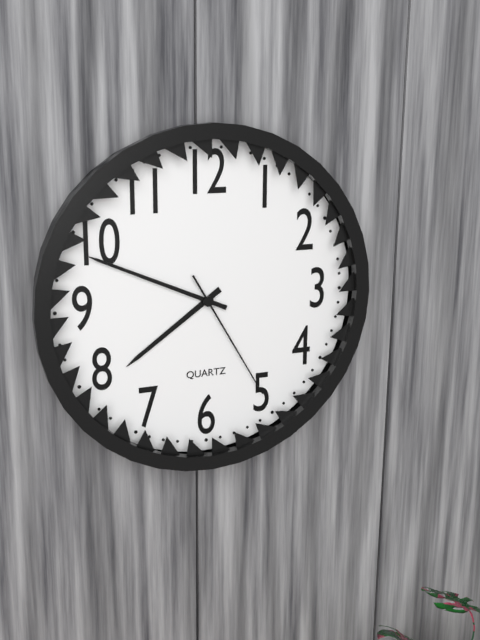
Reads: 7:49:25
